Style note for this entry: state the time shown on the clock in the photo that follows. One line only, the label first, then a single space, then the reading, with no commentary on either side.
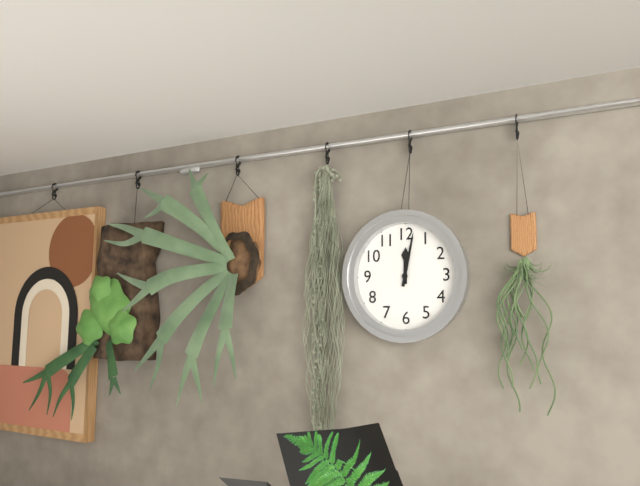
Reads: 12:02
